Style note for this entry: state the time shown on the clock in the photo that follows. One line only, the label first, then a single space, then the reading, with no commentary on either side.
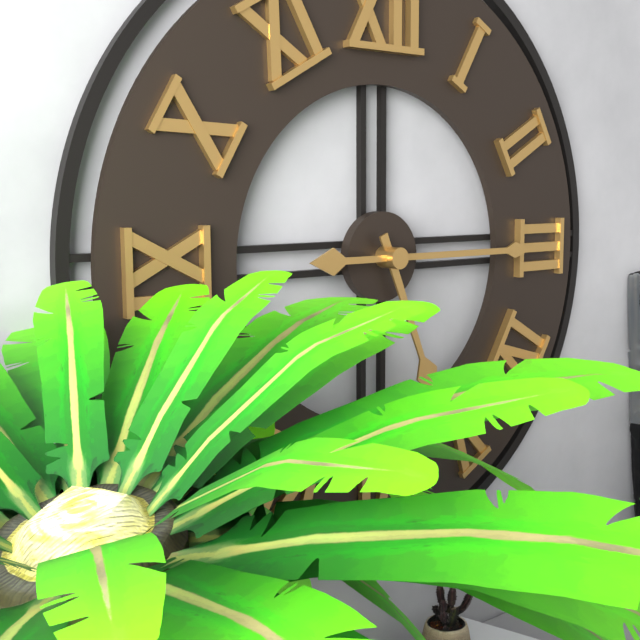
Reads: 5:15
